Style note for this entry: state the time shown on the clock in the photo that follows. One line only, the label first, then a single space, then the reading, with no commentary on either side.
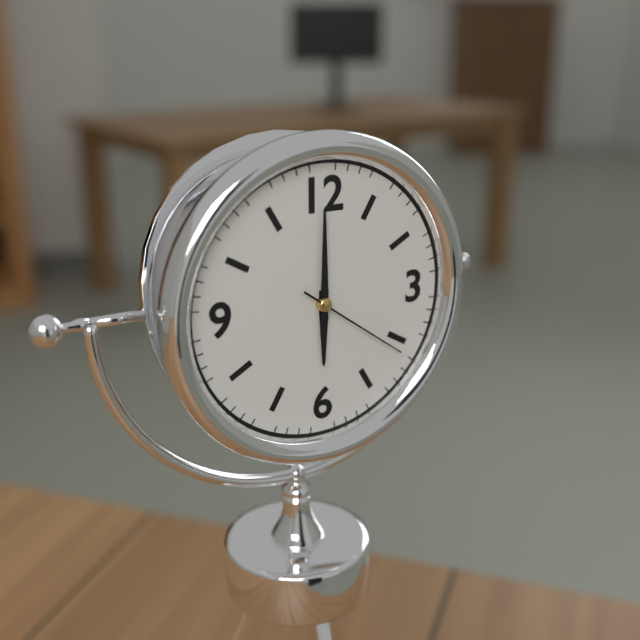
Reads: 6:00:21
